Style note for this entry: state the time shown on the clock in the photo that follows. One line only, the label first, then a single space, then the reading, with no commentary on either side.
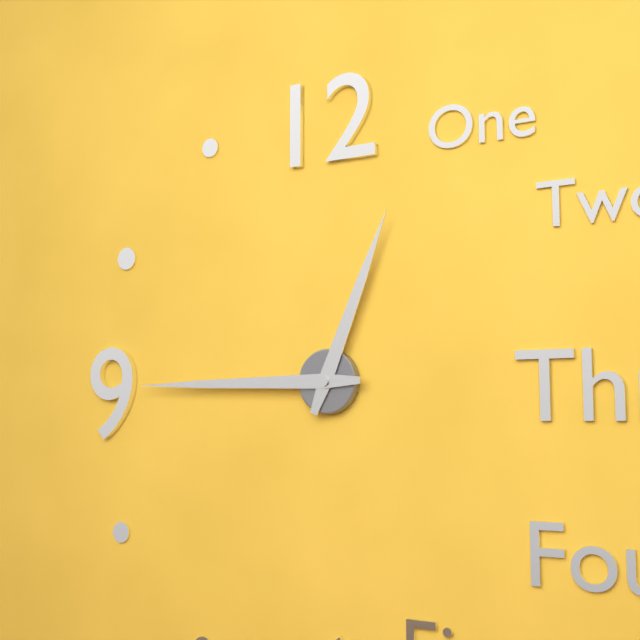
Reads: 12:45
